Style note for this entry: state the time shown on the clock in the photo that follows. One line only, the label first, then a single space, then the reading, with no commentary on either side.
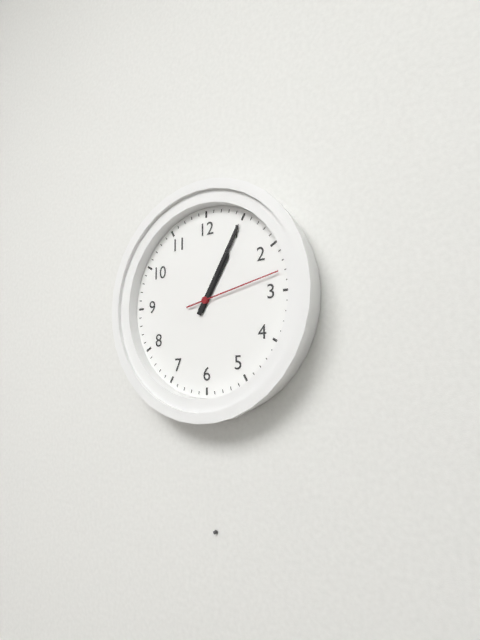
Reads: 1:05:13
